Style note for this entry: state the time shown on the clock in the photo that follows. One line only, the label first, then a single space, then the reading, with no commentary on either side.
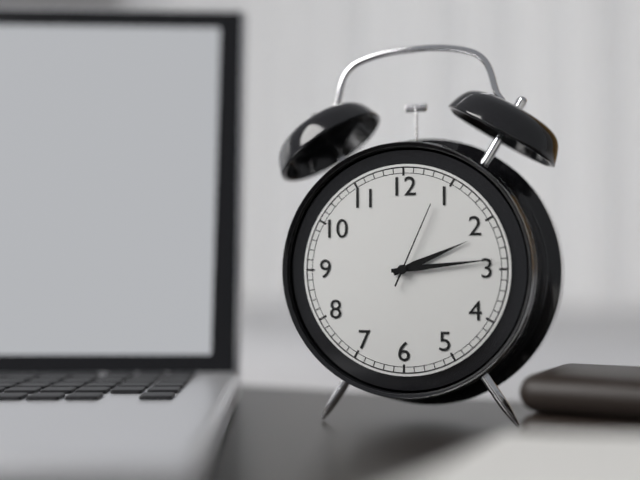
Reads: 2:14:04
